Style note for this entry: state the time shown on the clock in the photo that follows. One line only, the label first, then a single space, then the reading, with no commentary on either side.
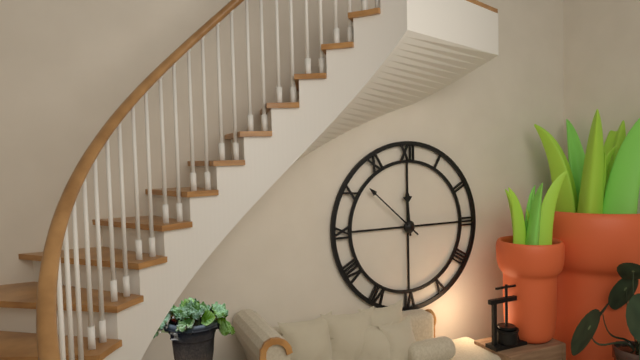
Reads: 11:52
